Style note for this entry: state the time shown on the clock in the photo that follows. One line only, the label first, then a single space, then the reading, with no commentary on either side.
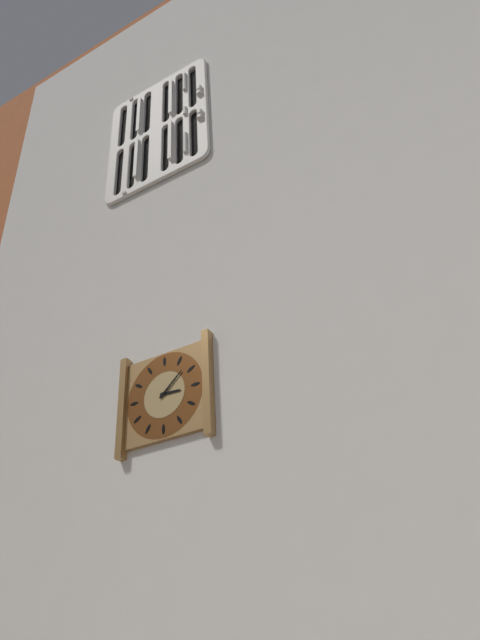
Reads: 3:08
